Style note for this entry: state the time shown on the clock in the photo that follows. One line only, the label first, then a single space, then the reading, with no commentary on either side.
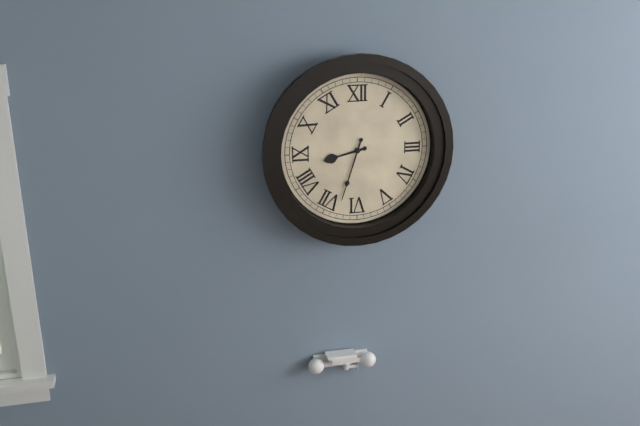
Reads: 8:33
